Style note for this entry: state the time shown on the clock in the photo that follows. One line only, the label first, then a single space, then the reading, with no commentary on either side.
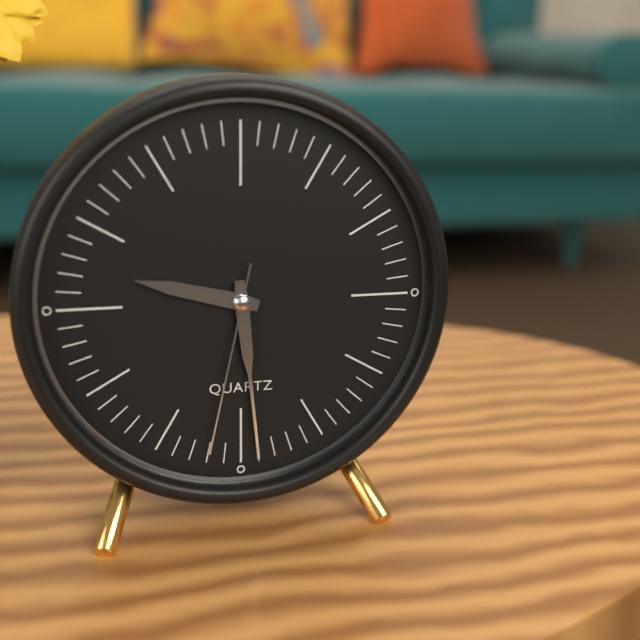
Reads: 9:29:32
